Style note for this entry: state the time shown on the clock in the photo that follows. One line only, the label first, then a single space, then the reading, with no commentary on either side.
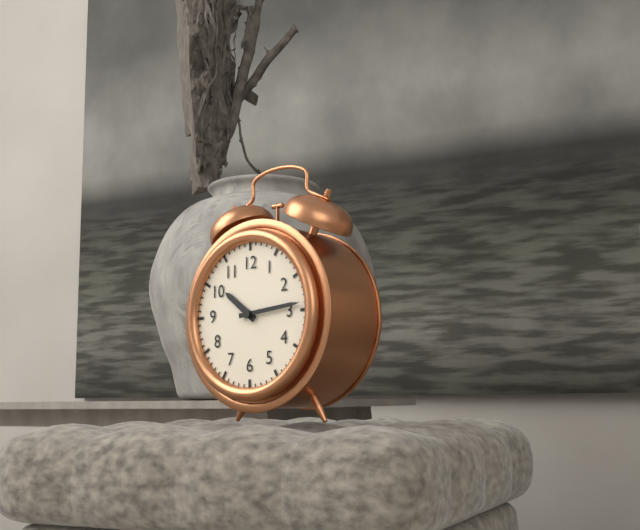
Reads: 10:14
